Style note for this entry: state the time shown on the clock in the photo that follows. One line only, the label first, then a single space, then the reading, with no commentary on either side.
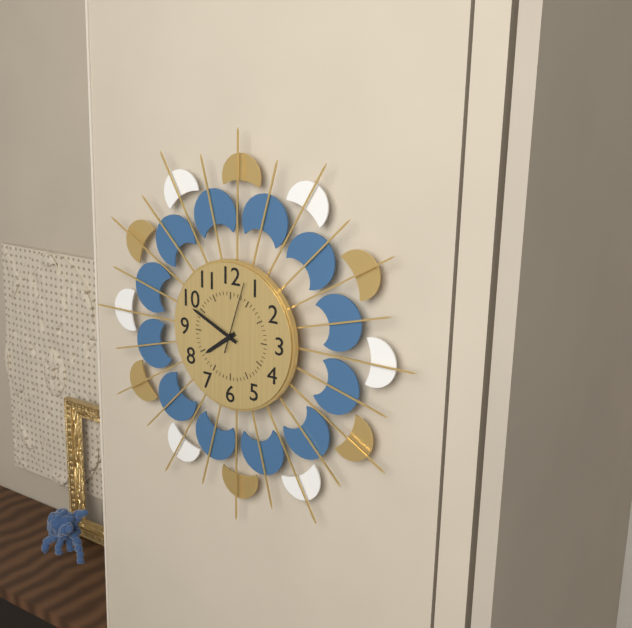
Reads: 7:49:03
